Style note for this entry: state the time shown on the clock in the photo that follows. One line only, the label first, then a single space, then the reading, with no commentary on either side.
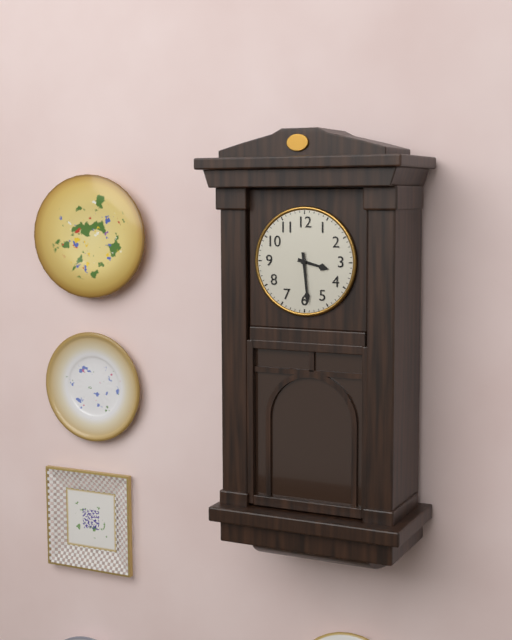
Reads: 3:29
